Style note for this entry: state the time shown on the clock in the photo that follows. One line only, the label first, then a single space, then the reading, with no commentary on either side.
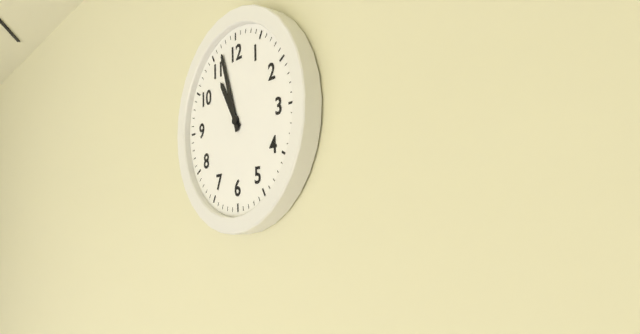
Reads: 10:57
